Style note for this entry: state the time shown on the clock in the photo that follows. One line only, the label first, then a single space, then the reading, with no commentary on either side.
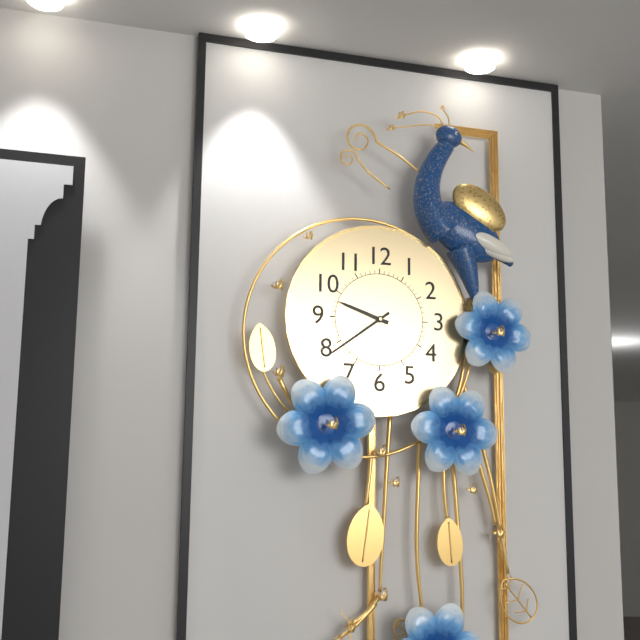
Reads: 9:39
